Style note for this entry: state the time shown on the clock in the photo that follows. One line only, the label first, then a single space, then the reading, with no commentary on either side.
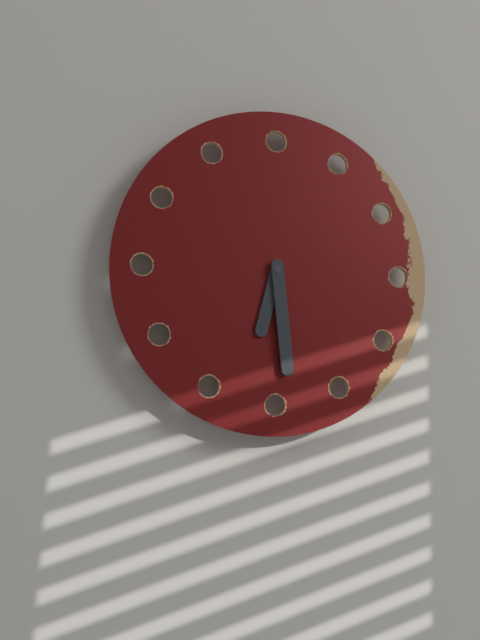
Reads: 6:29
